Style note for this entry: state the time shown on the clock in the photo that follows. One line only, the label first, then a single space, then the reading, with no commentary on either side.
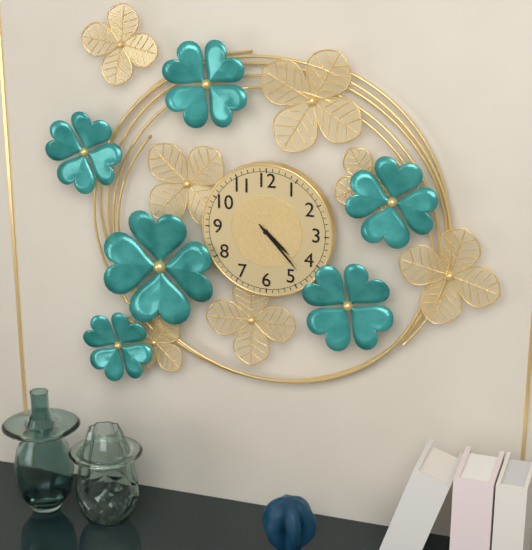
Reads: 4:23
